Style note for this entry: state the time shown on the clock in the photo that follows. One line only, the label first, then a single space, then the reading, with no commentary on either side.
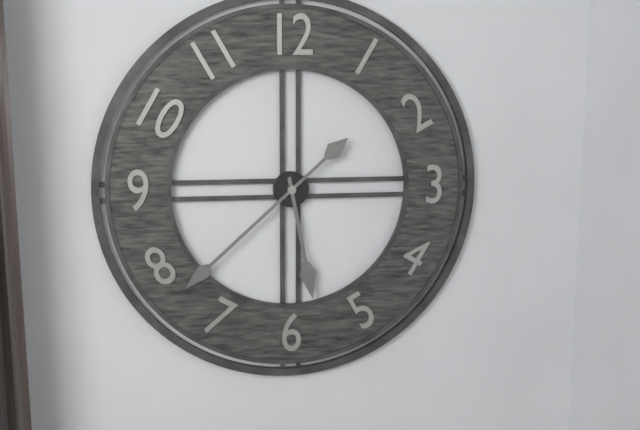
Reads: 5:38
